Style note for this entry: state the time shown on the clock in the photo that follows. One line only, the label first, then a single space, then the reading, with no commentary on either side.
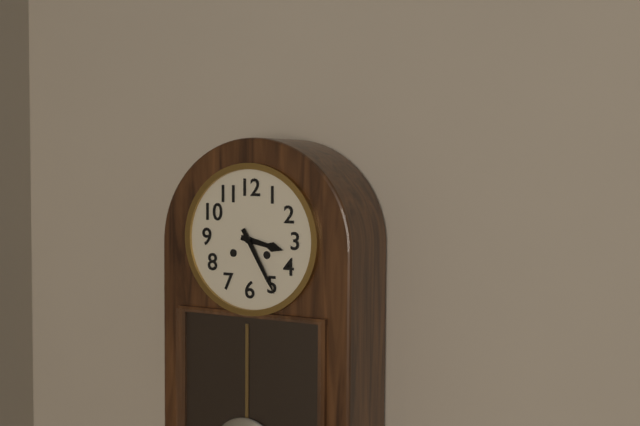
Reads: 3:25
